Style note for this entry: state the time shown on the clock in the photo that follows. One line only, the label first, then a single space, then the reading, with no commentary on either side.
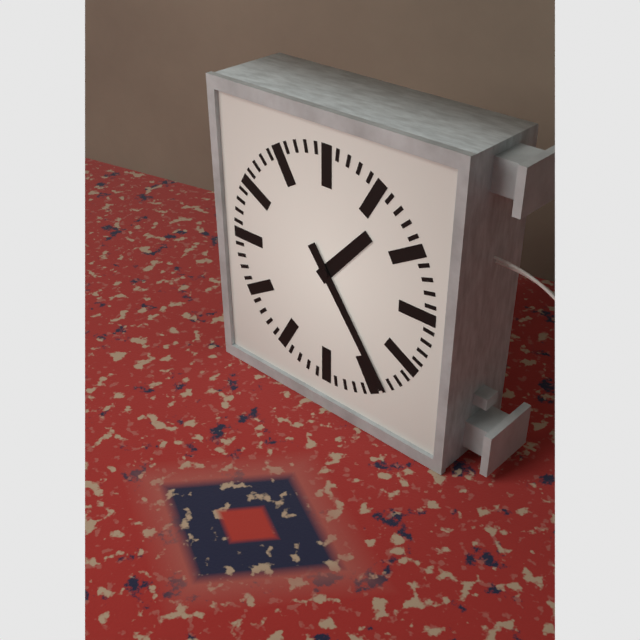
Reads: 1:24
